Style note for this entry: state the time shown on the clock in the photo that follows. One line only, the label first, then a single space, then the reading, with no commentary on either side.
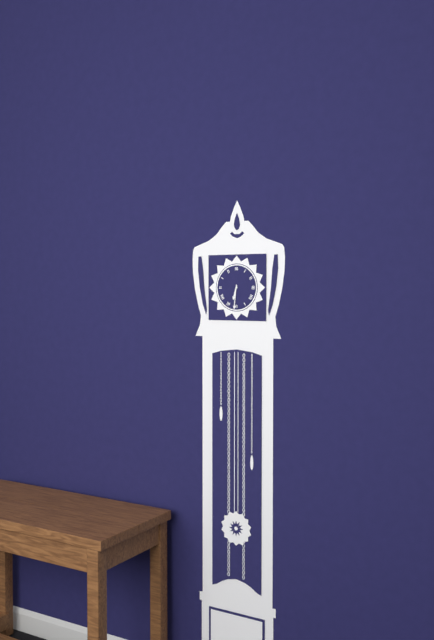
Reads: 6:31
